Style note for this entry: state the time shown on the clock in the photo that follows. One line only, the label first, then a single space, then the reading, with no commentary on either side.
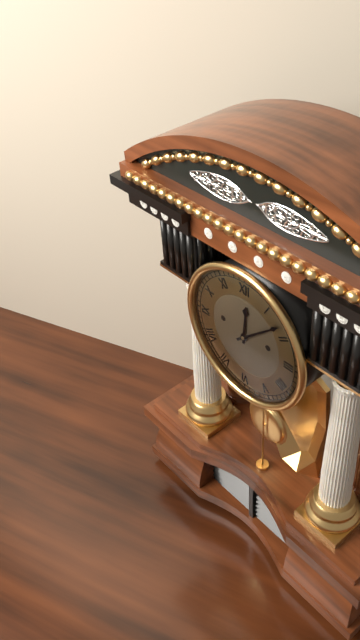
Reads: 12:08
